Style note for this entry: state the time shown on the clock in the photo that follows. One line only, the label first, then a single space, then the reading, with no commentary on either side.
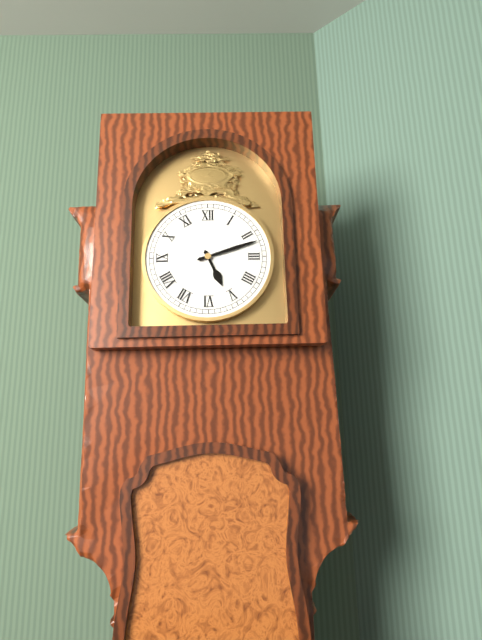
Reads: 5:12
